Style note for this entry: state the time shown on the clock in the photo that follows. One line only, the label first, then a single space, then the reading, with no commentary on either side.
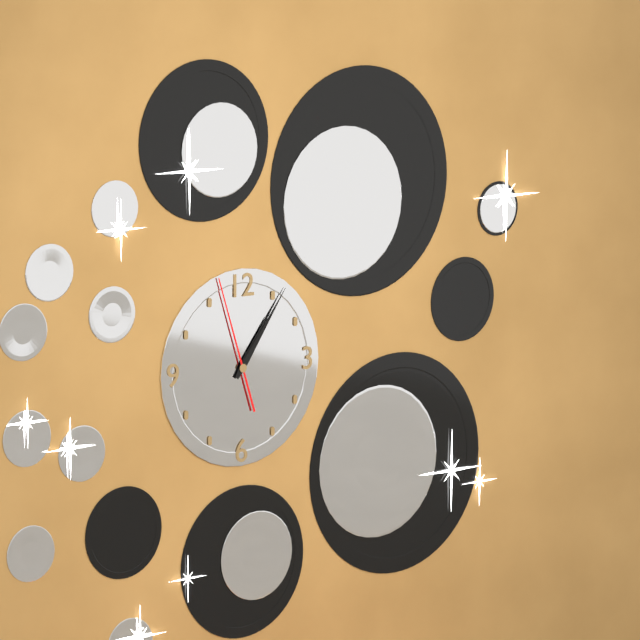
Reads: 1:06:57
